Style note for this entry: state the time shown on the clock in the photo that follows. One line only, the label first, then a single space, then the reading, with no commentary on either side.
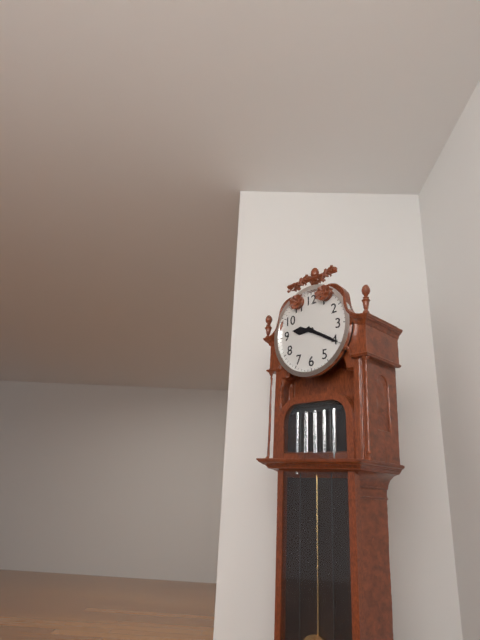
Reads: 9:20
